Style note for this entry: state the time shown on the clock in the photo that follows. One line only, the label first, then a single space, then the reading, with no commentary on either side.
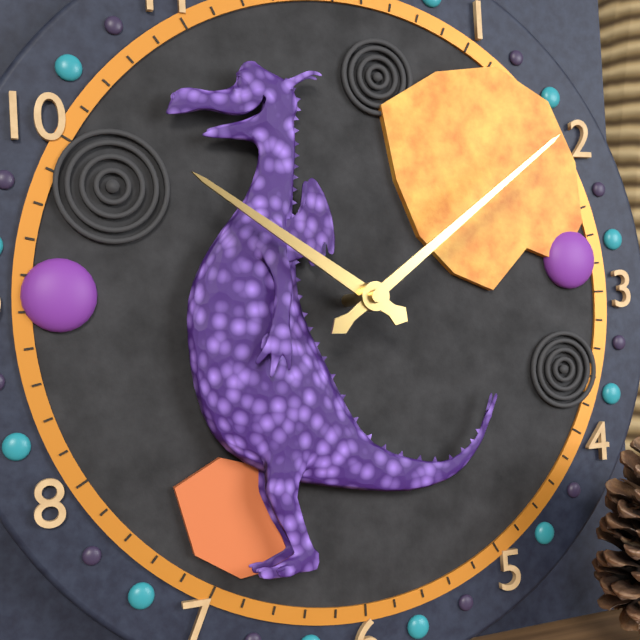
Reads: 10:09
